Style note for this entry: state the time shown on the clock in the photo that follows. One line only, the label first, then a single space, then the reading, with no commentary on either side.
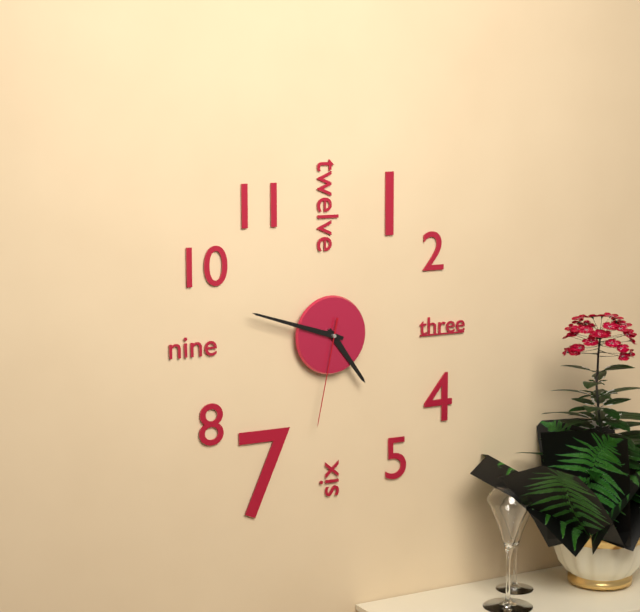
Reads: 4:48:32
